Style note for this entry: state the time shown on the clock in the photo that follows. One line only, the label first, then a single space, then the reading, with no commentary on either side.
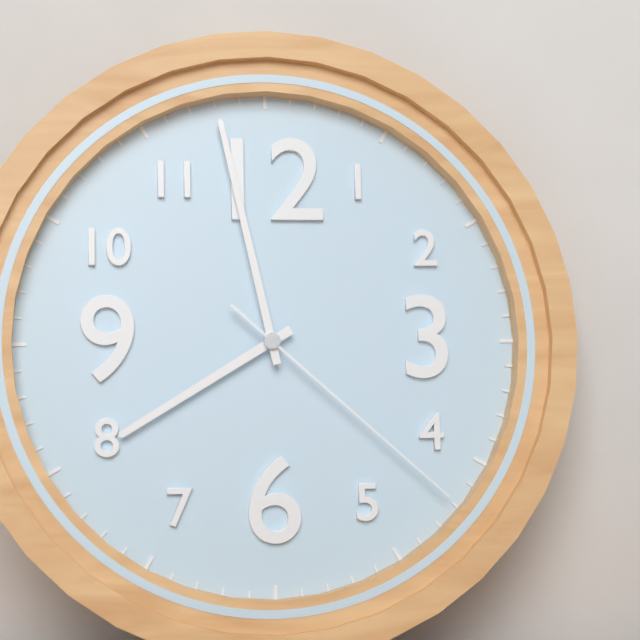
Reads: 7:58:22
